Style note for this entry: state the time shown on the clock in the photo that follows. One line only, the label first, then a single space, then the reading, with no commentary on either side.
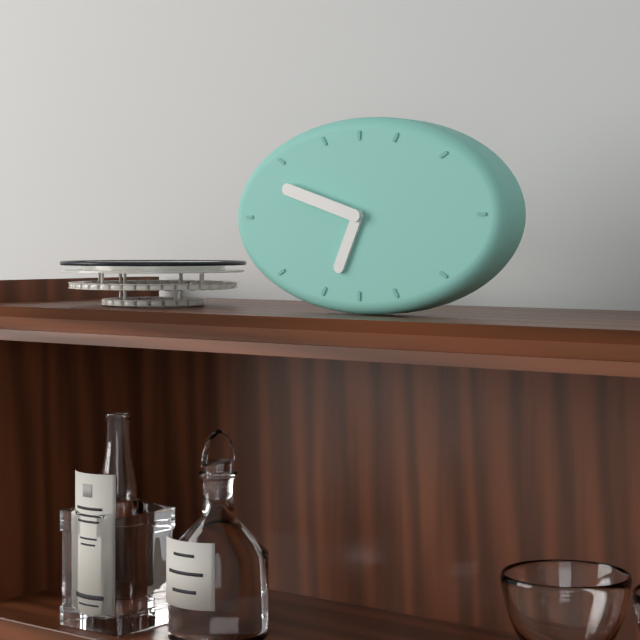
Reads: 6:48
